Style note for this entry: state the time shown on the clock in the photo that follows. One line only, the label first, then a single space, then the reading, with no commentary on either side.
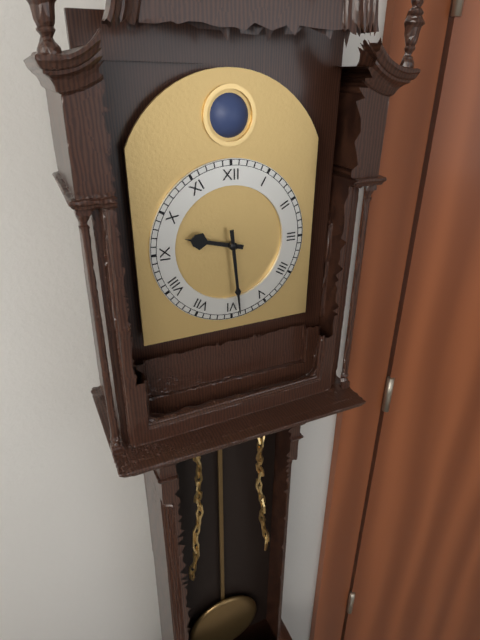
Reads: 9:29
